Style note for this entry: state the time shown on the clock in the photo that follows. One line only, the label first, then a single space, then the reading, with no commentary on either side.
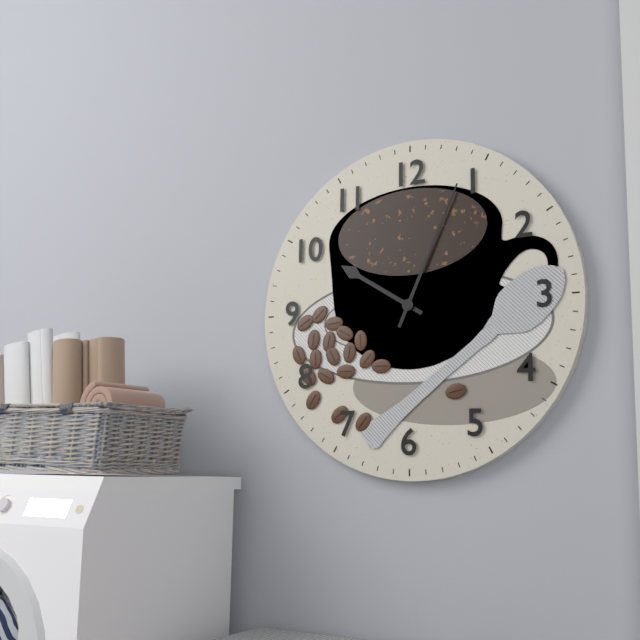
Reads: 10:04
